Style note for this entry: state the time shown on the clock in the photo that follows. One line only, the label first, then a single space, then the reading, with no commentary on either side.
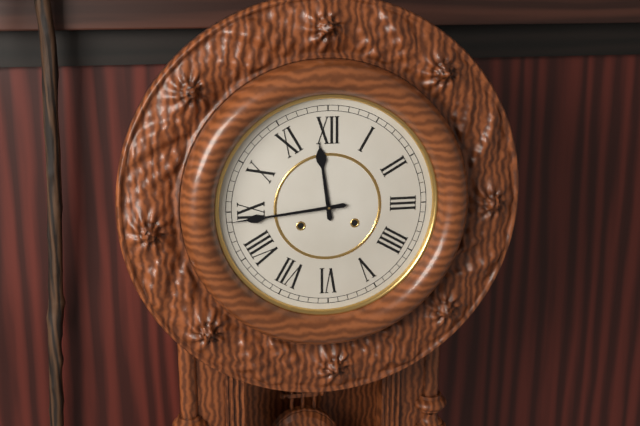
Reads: 11:44
